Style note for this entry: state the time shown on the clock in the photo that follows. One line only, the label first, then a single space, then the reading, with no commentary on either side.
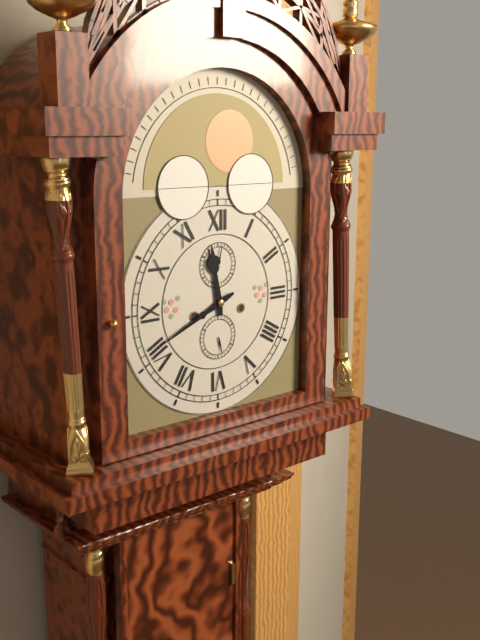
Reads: 11:41
